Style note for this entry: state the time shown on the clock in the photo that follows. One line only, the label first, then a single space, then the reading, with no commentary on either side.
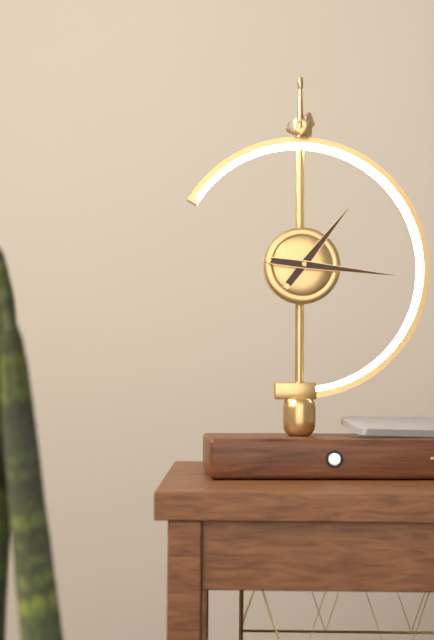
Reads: 1:16
